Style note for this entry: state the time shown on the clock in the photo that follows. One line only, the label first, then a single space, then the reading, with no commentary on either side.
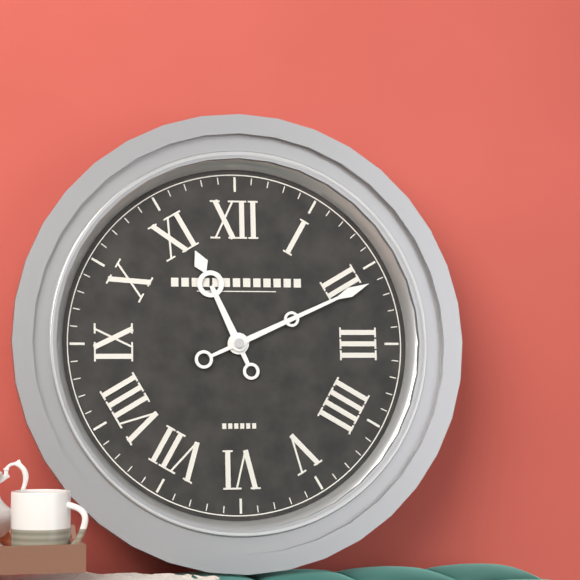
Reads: 11:11
